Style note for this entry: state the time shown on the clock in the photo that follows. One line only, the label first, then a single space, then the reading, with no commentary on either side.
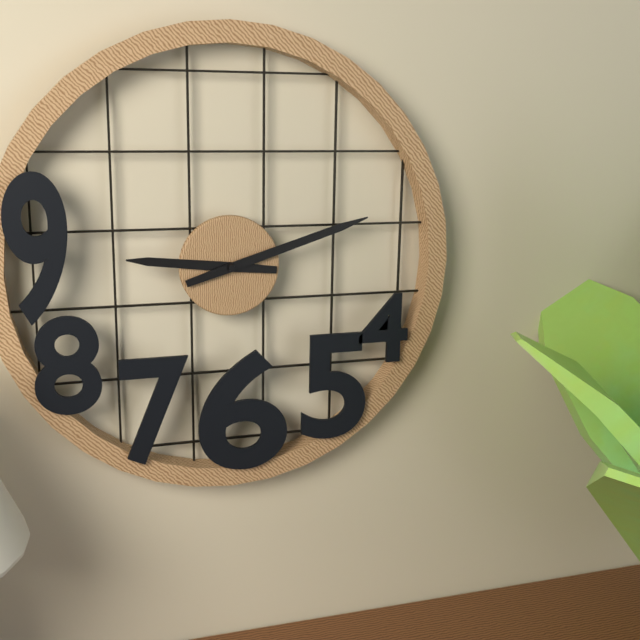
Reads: 9:12
